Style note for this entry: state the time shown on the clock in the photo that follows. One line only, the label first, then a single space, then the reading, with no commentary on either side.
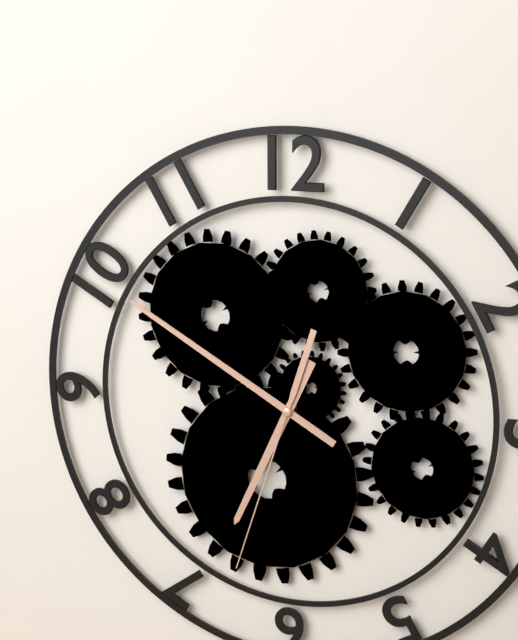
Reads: 6:50:33
